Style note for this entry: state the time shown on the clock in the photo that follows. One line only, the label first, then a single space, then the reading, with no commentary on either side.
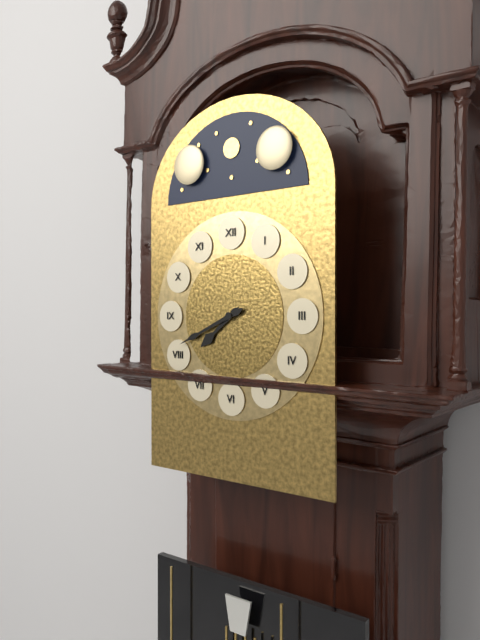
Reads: 7:41
